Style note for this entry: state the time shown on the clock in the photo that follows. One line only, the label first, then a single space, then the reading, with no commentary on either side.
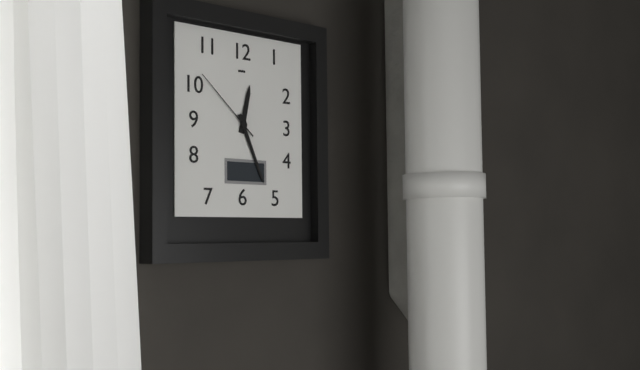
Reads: 12:26:52
